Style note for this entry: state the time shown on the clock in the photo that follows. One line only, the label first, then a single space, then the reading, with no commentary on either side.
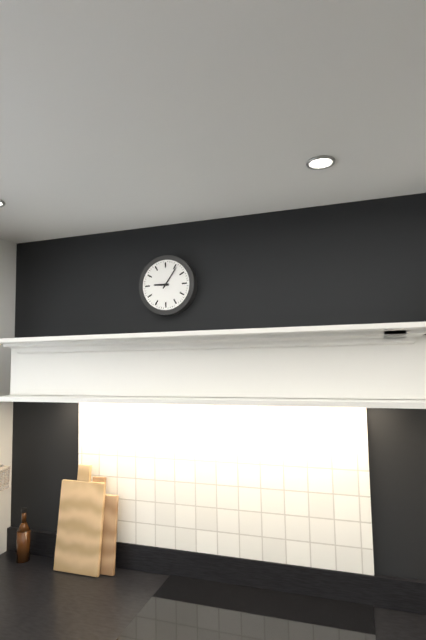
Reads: 9:06
